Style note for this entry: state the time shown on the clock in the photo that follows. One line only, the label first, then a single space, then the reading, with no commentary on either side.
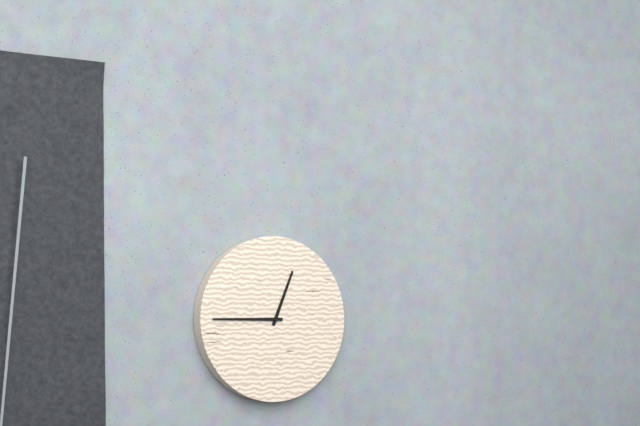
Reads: 12:45
